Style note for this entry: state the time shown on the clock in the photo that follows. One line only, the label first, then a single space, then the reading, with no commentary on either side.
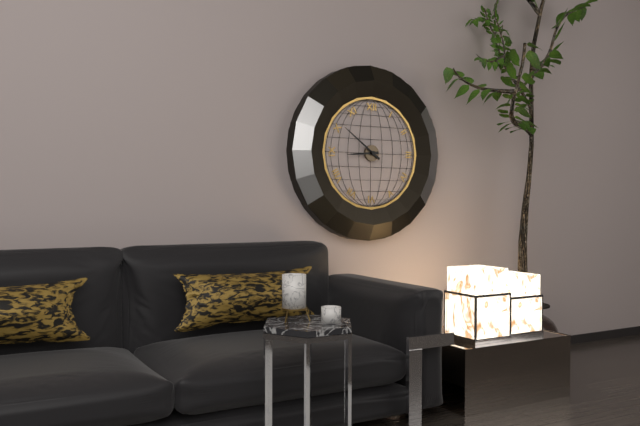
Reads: 8:51
